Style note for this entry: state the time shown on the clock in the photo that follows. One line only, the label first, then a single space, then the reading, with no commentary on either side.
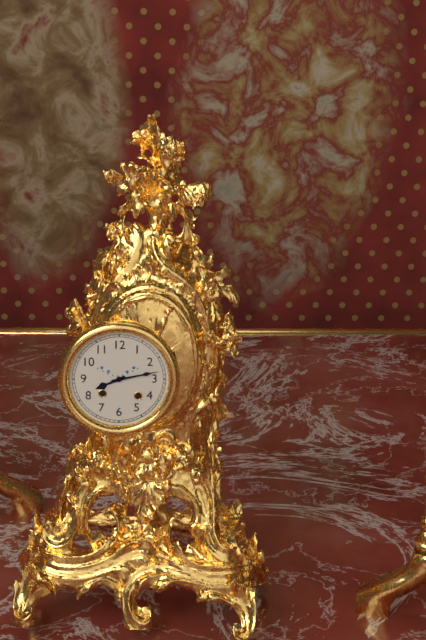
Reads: 8:13
